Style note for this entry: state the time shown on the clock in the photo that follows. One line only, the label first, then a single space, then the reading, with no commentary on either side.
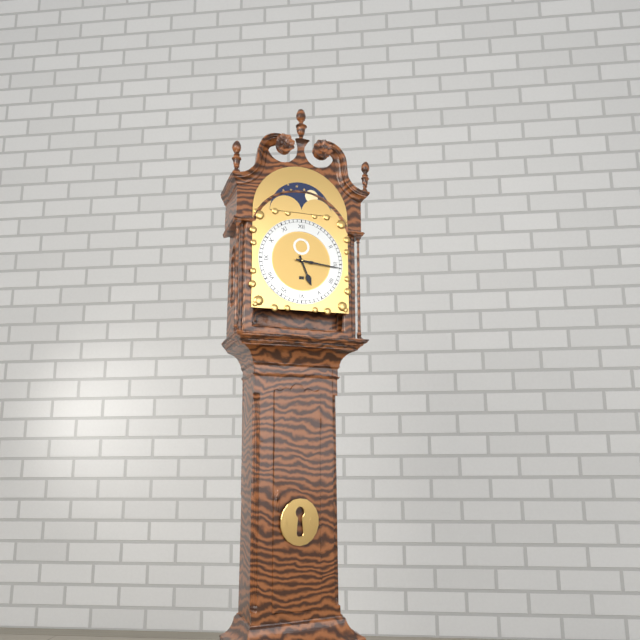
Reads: 5:16
